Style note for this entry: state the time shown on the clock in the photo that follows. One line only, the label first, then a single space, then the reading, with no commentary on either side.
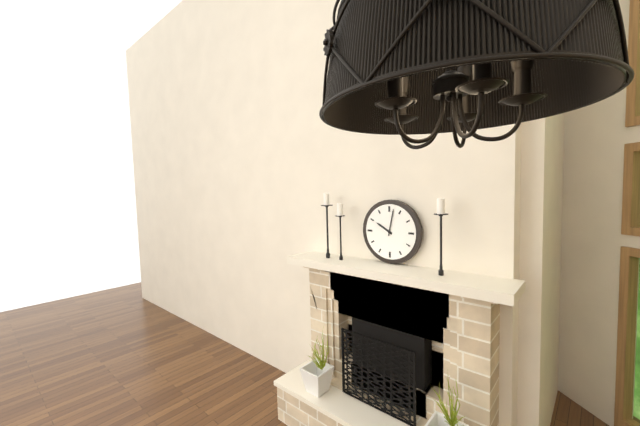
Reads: 10:02
